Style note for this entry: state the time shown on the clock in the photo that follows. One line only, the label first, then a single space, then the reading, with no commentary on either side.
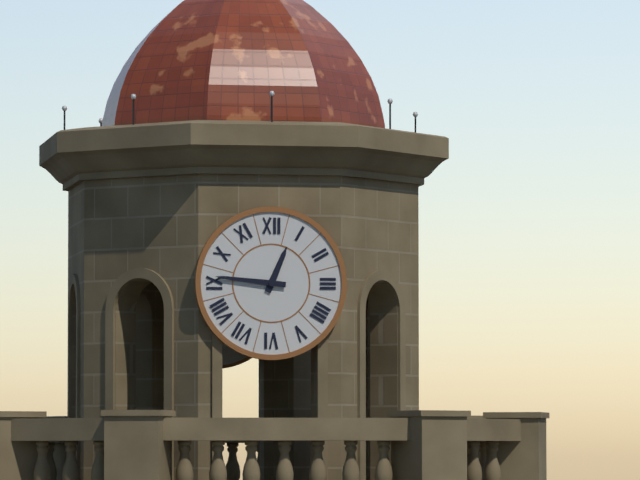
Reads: 12:46
